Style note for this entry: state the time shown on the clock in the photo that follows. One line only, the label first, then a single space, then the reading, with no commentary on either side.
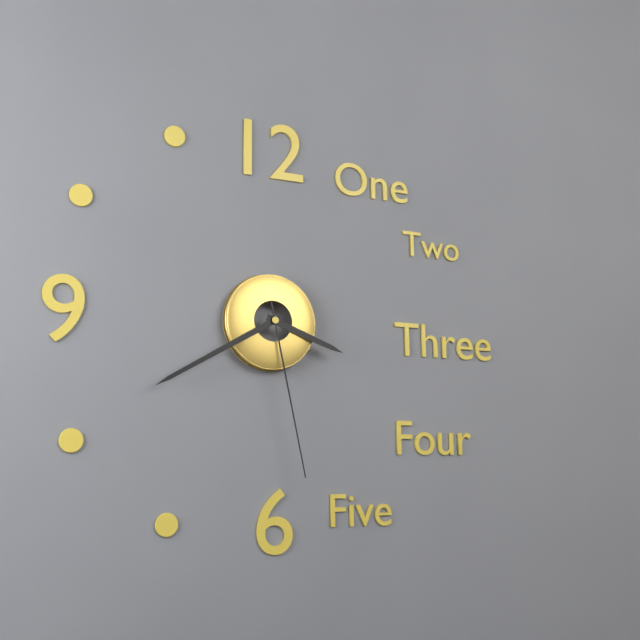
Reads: 3:40:28
